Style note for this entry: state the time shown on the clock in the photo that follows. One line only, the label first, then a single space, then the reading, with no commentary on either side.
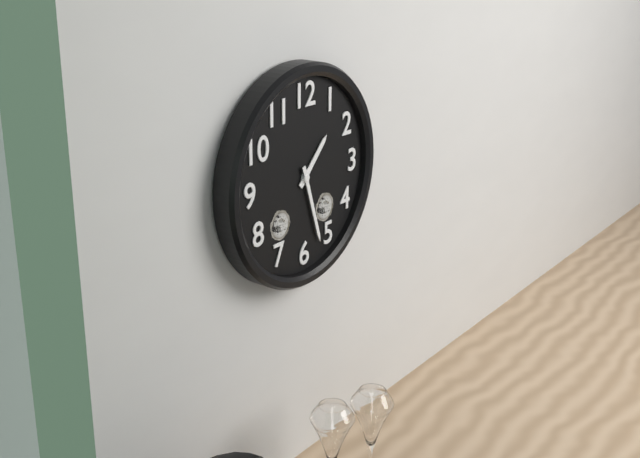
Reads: 1:27
